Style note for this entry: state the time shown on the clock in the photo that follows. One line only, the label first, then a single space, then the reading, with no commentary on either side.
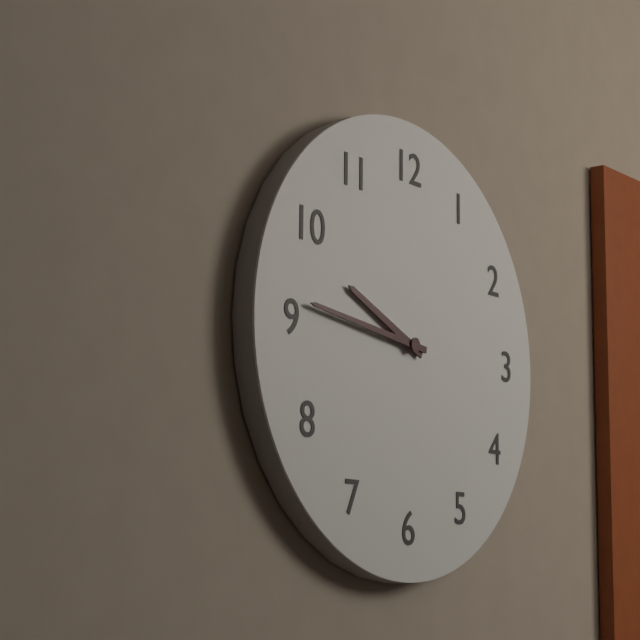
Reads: 9:46
